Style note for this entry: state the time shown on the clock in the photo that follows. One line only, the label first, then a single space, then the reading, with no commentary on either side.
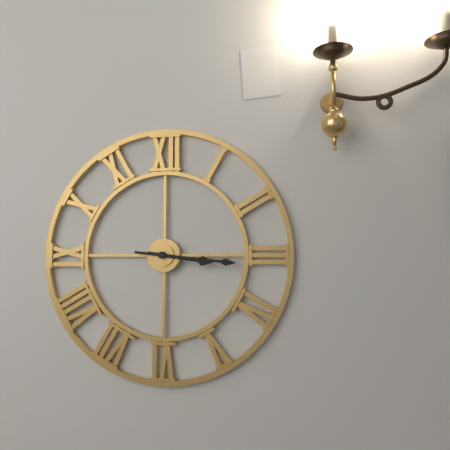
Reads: 3:16
